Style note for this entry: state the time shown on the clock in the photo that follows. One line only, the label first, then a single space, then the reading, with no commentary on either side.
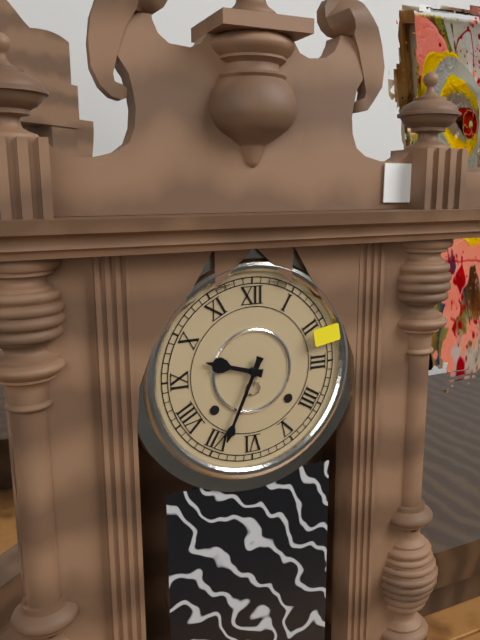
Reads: 9:34
